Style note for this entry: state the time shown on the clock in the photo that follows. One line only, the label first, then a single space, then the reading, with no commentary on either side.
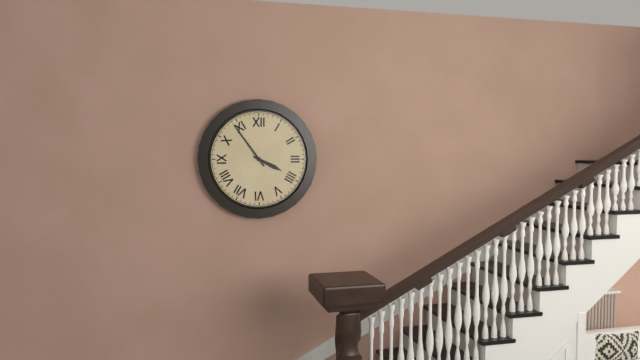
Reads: 3:54
